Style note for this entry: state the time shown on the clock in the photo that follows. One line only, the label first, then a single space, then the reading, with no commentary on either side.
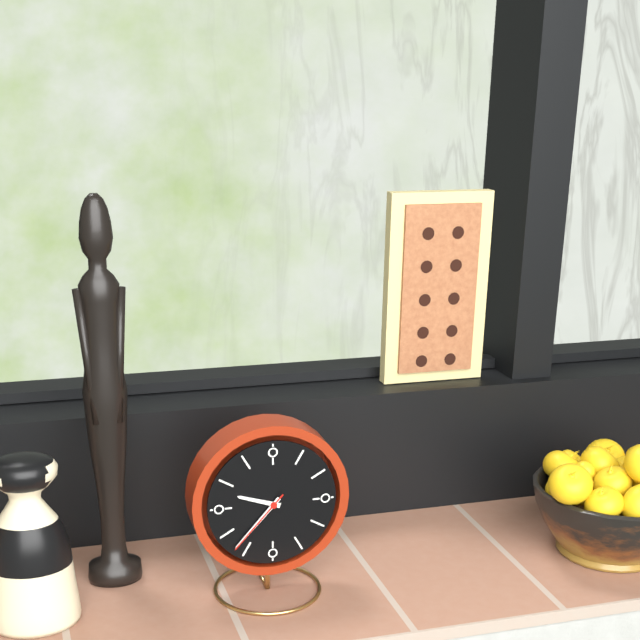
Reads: 9:37:37
